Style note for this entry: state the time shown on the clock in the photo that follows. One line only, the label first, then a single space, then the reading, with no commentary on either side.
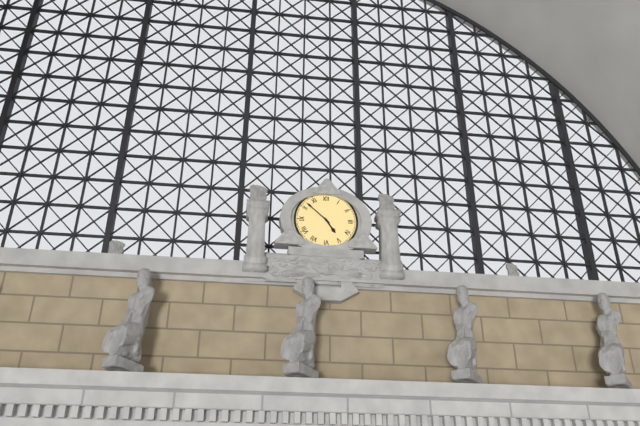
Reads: 4:52
